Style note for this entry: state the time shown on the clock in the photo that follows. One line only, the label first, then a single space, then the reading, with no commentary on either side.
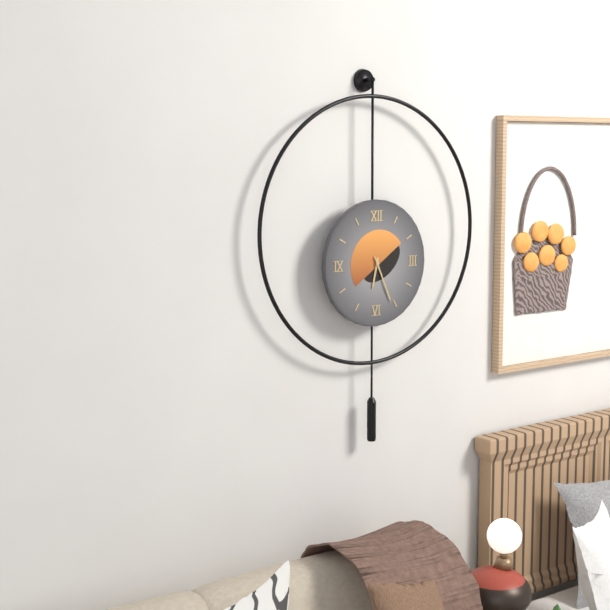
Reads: 6:26
